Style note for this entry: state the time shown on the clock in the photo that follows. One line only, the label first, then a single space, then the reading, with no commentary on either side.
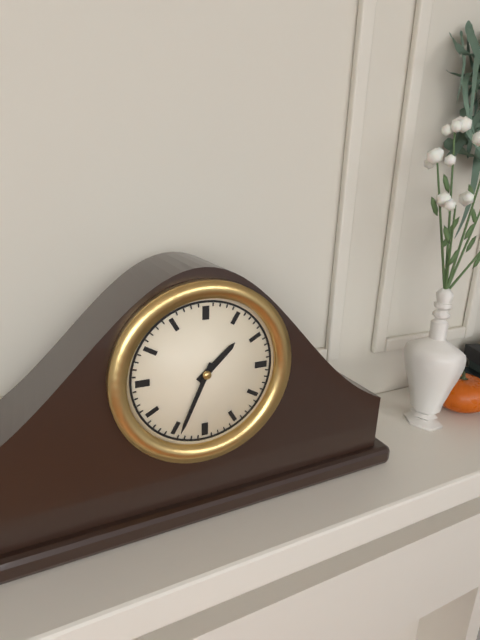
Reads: 1:34
